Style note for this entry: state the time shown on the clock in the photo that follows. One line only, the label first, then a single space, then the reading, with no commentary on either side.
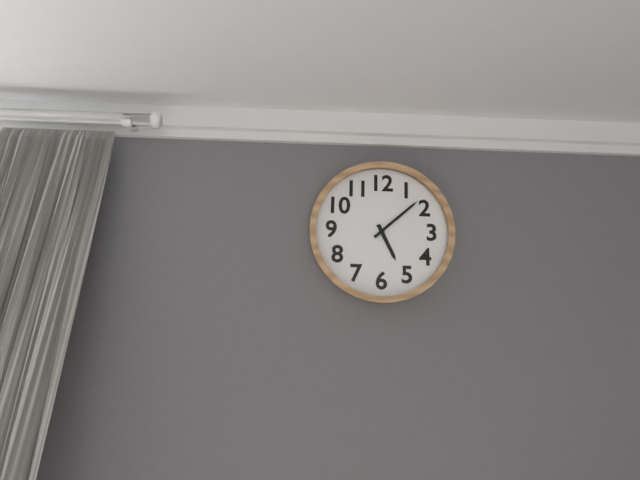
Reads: 5:08
